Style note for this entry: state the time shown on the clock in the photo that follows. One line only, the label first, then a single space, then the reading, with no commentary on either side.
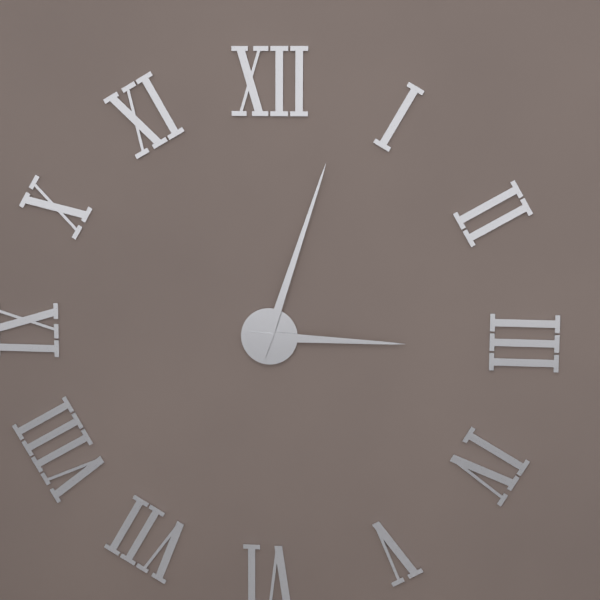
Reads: 3:03
